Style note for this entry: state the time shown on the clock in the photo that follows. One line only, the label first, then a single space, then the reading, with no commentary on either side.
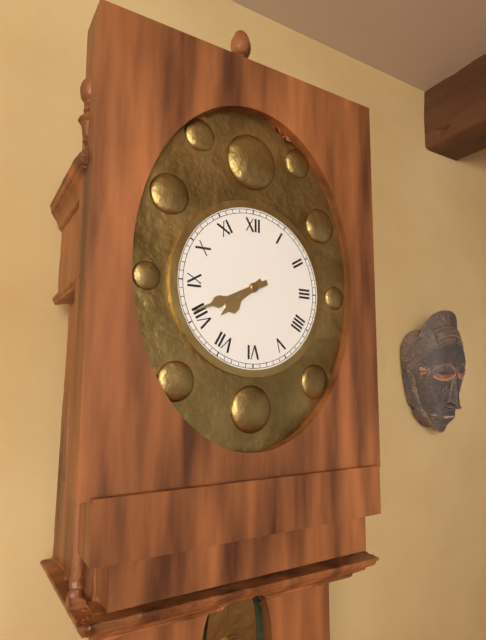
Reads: 7:41
